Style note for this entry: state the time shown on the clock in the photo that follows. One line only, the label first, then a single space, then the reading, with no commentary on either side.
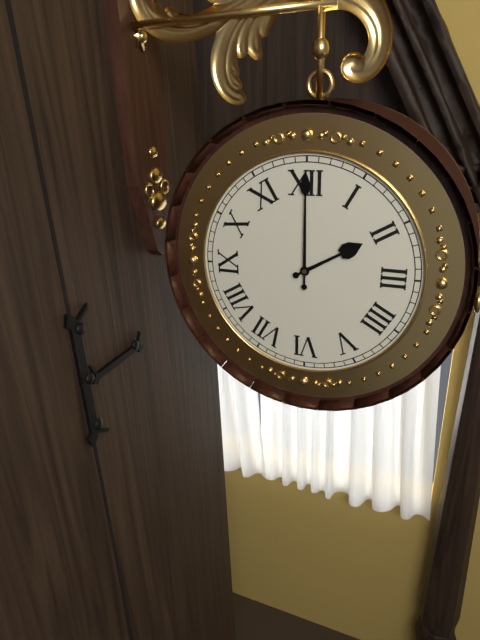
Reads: 2:00
